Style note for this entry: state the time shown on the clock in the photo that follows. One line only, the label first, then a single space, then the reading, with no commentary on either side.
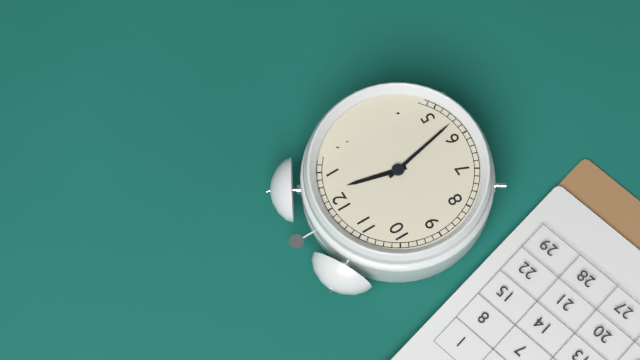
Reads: 12:28
